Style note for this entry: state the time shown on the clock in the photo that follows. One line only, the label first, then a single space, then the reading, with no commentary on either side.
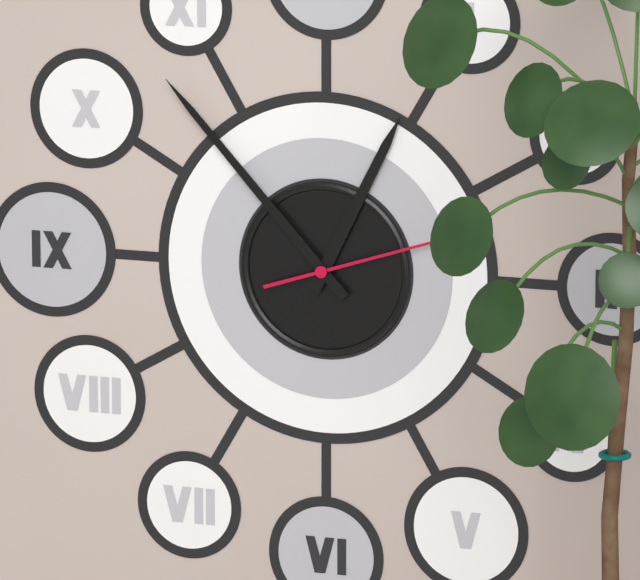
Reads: 12:53
